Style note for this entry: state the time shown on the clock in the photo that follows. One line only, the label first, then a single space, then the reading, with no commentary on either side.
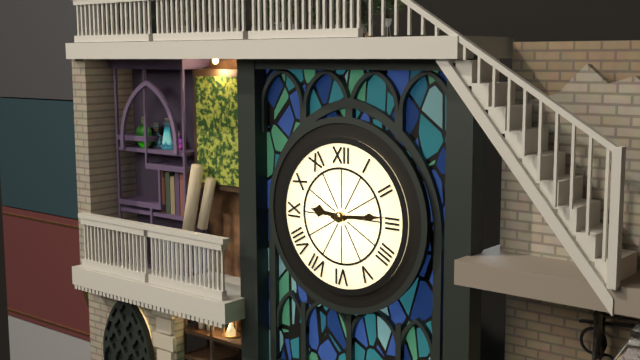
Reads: 9:14
